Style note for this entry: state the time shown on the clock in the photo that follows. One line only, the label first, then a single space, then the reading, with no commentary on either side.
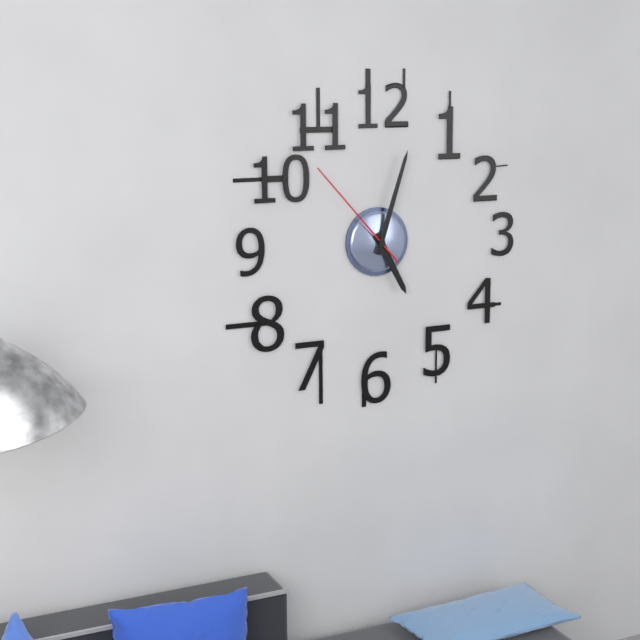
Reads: 5:03:53
